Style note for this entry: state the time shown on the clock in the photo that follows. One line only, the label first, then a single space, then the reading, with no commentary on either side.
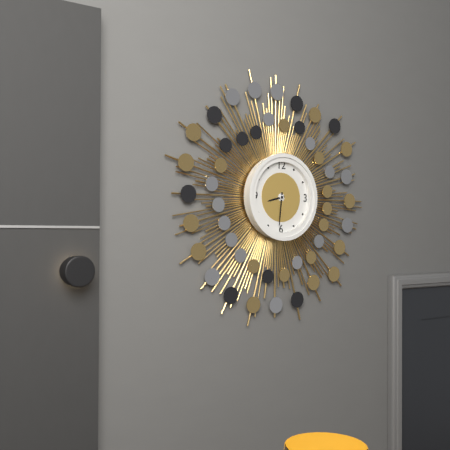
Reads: 8:31
